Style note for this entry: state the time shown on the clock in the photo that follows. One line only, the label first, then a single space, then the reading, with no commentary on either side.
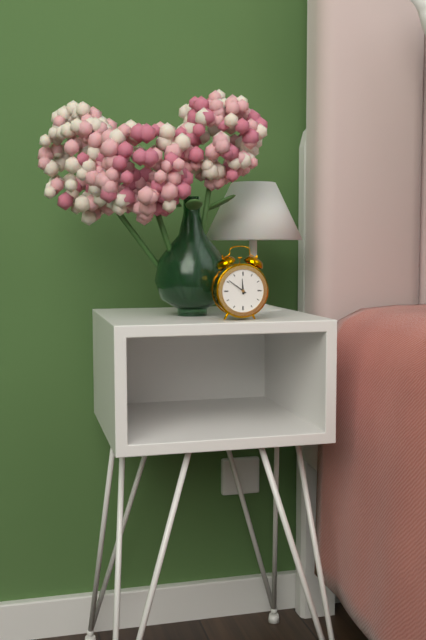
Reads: 11:51
